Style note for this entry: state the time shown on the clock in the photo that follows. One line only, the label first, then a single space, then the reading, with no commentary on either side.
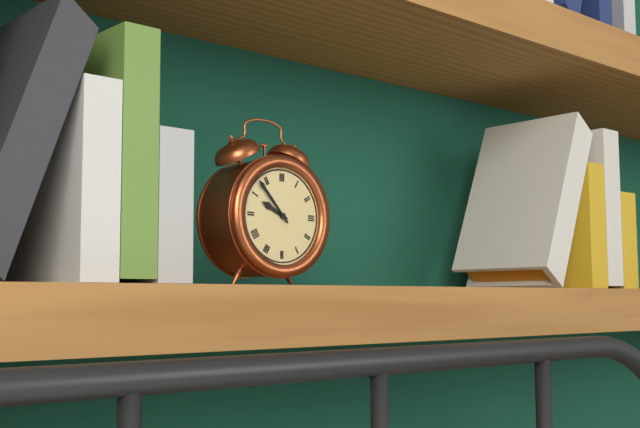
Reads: 9:53
